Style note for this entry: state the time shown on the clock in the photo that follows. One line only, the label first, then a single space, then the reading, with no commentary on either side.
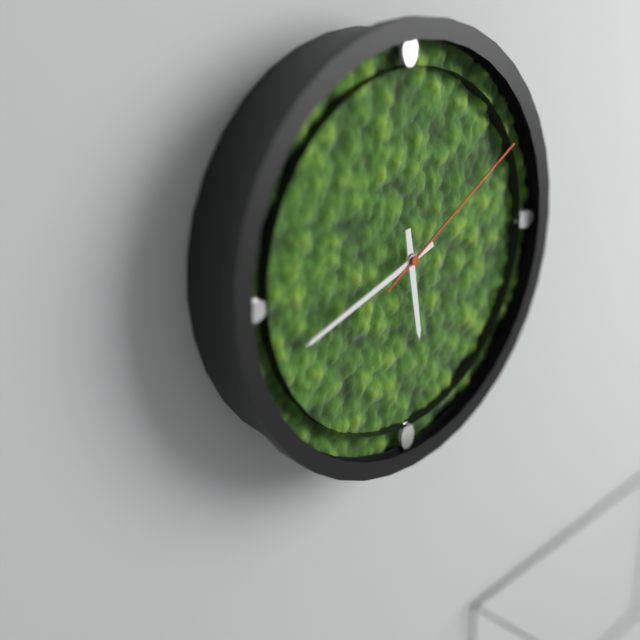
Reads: 5:42:10
